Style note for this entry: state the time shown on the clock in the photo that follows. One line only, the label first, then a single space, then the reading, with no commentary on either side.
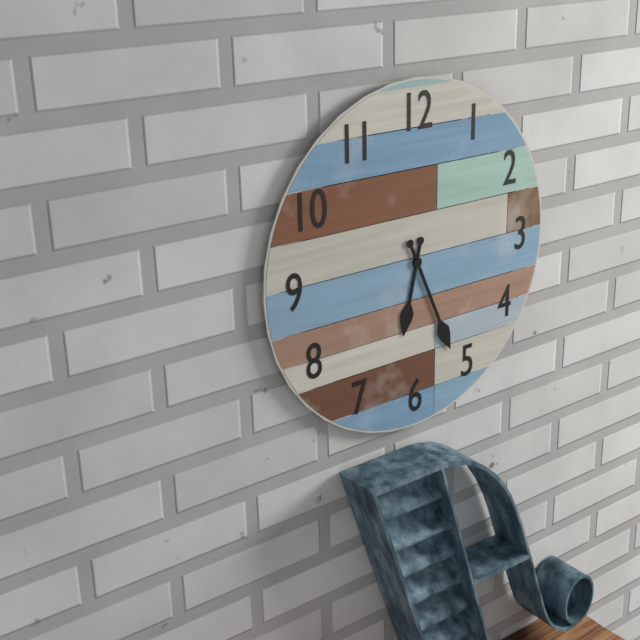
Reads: 6:26
